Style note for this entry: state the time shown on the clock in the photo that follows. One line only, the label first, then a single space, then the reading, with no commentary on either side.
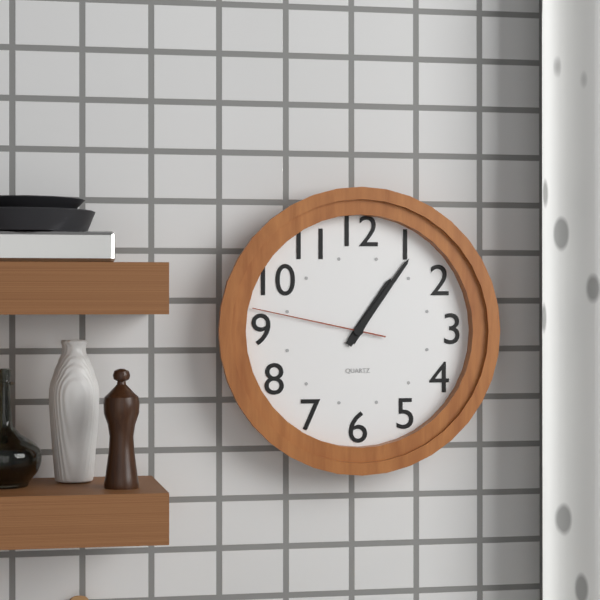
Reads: 1:06:47
